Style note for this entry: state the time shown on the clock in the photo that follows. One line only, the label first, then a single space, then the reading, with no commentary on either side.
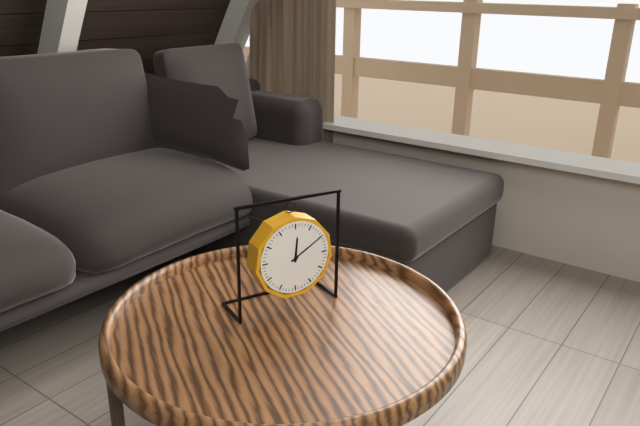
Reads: 12:10
